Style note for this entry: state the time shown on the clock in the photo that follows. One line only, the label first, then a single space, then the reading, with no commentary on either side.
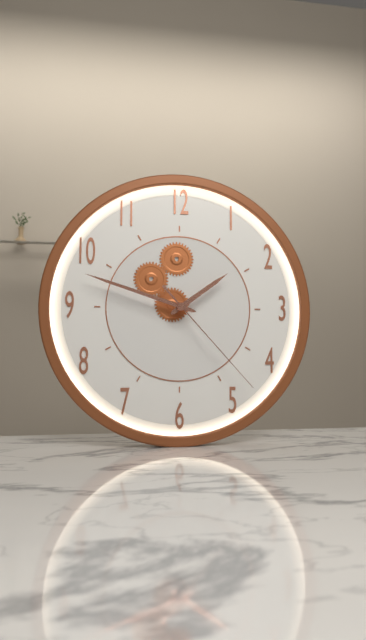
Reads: 1:48:23
